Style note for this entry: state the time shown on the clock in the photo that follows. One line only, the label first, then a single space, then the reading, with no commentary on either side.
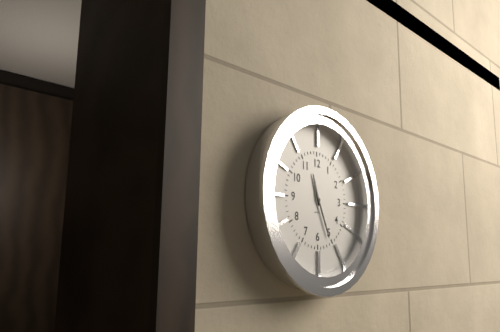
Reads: 11:26
